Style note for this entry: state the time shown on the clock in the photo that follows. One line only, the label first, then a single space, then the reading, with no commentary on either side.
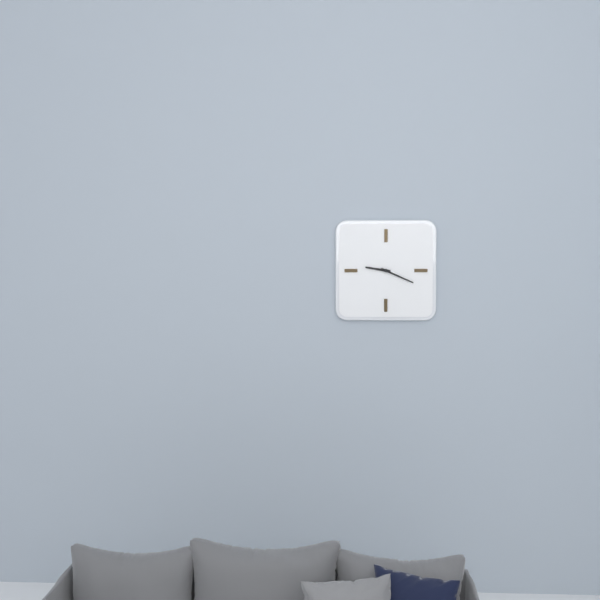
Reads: 9:19
